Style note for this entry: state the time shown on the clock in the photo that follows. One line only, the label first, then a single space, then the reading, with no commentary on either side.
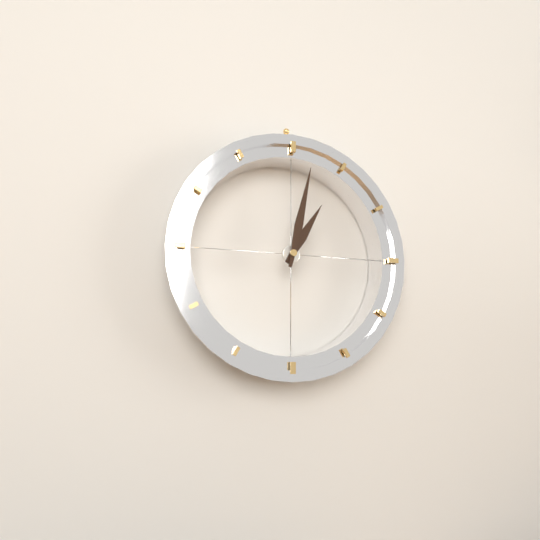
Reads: 1:02
